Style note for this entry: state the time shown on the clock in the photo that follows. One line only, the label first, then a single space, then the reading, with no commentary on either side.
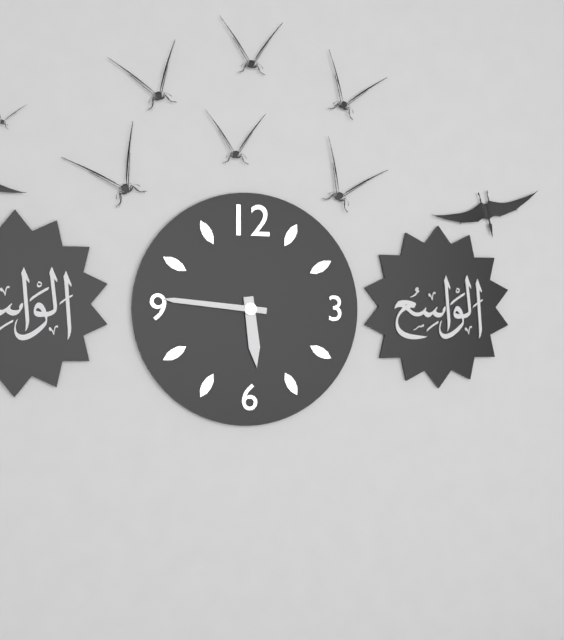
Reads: 5:46
